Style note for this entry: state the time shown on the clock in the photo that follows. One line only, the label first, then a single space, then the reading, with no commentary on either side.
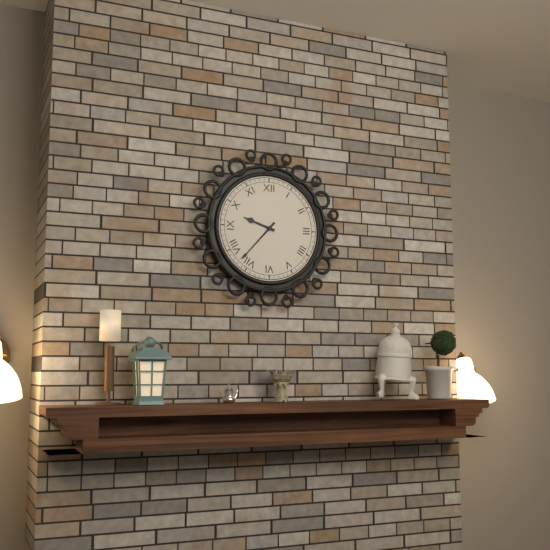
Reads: 9:37
